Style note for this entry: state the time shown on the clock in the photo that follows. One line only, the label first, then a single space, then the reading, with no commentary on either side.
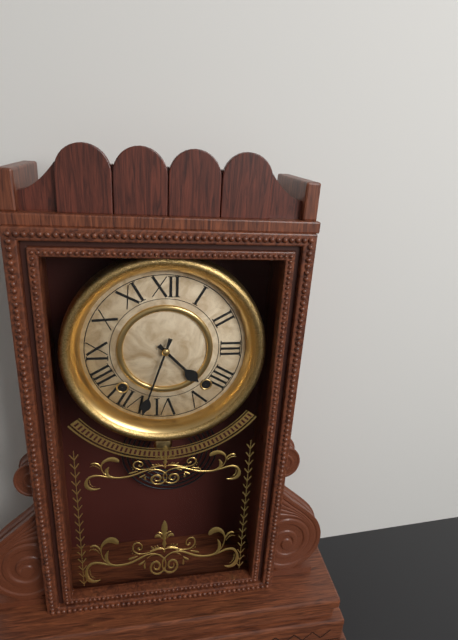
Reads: 4:33
